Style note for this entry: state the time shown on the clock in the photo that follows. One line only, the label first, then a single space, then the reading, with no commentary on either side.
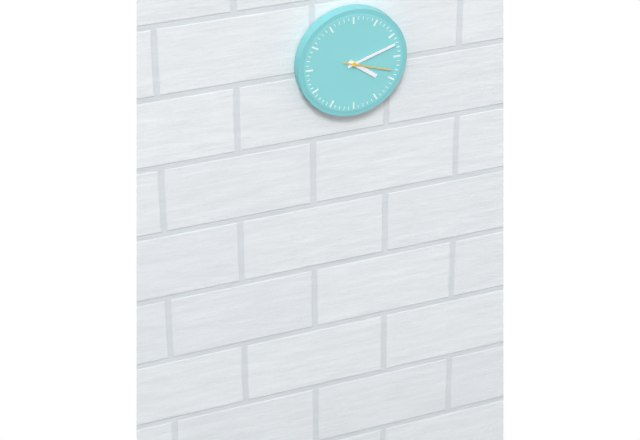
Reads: 4:12:18
